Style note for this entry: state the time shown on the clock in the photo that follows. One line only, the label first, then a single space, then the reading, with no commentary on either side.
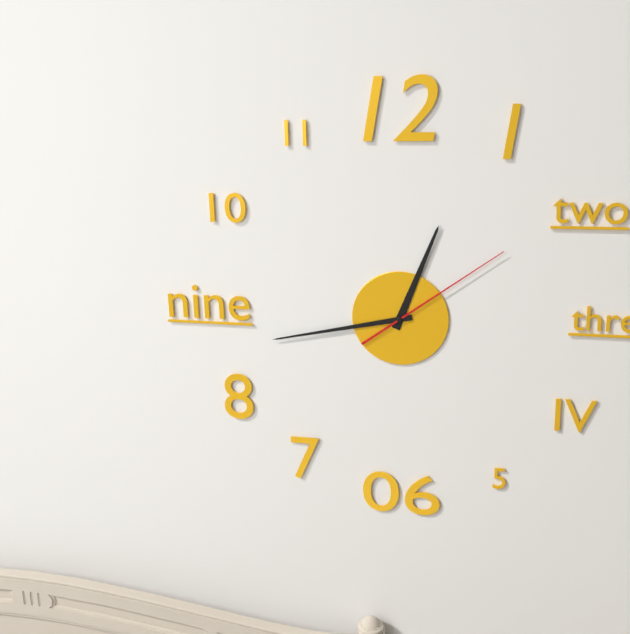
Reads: 12:43:09
